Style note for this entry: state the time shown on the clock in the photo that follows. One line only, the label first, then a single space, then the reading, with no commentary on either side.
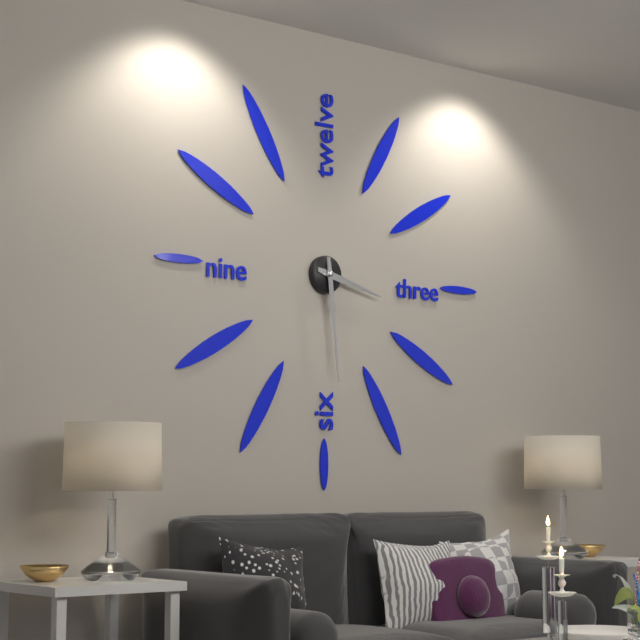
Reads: 3:29
